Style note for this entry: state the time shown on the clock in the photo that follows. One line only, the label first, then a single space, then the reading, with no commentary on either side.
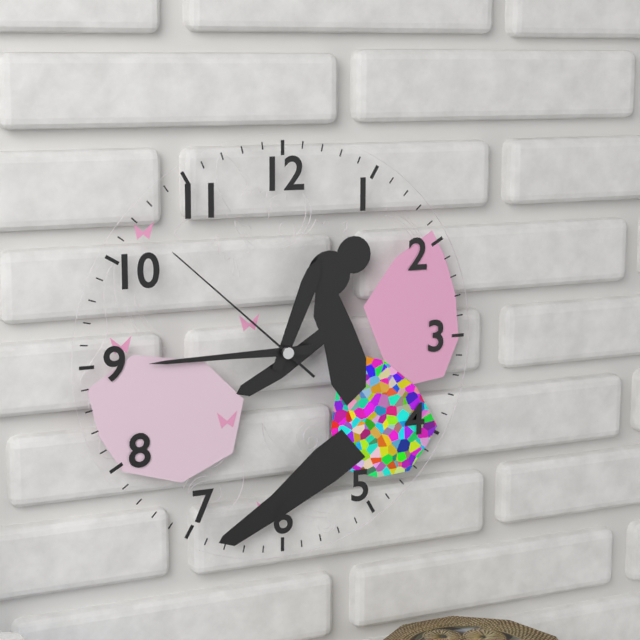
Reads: 12:45:52
